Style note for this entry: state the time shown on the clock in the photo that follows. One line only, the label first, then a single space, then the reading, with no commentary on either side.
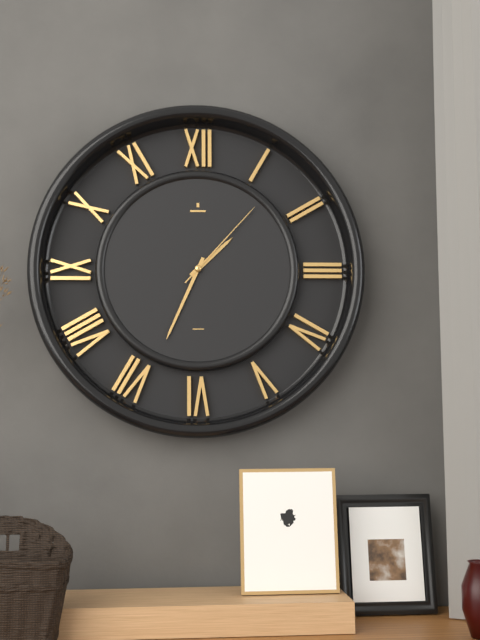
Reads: 1:34:07
